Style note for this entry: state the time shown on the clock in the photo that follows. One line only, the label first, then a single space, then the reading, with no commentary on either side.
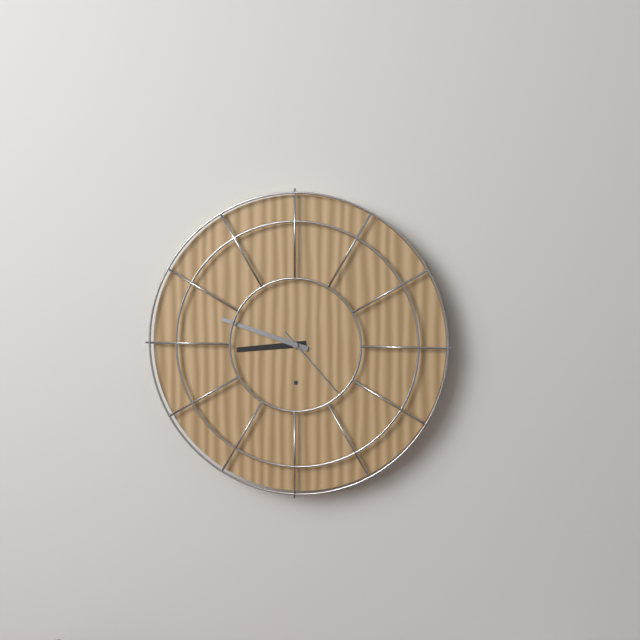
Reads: 8:48:23
